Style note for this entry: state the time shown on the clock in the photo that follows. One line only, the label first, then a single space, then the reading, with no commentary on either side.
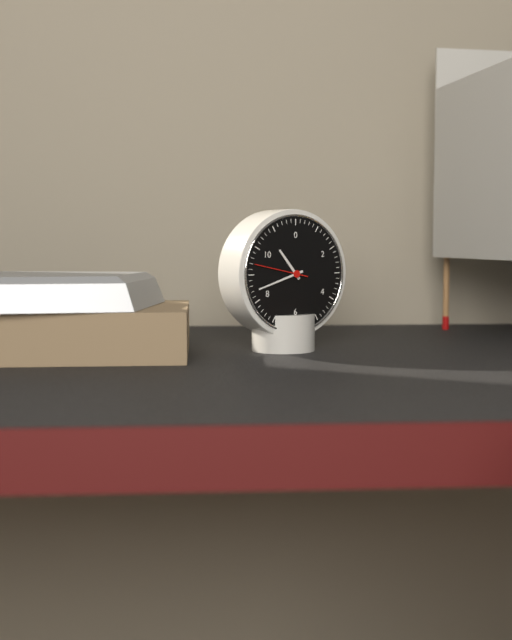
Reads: 10:42:47
